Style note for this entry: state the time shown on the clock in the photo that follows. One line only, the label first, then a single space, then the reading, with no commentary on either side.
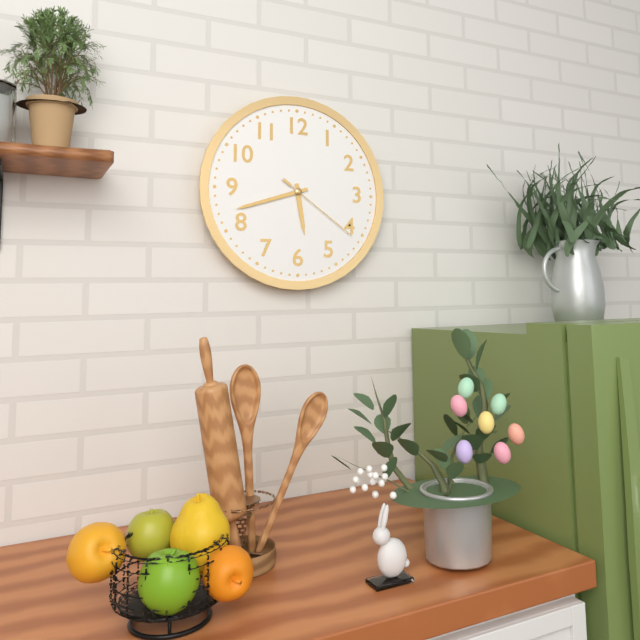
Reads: 5:42:21
